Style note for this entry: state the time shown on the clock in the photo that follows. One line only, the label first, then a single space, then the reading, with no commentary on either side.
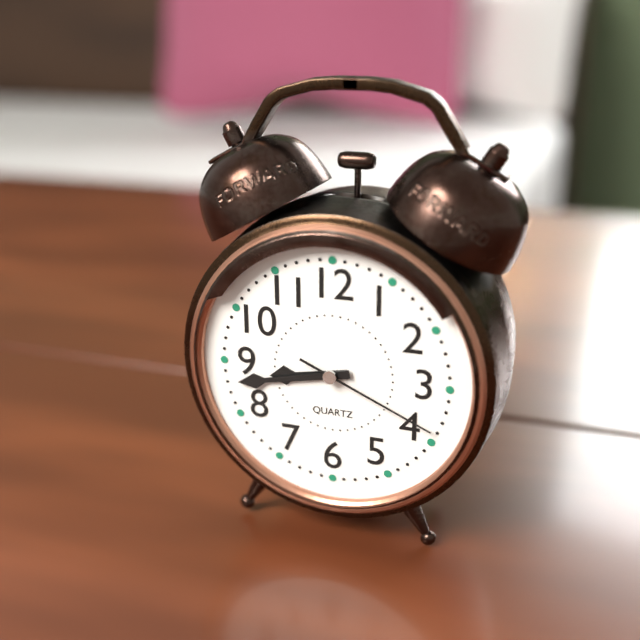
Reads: 8:43:19
